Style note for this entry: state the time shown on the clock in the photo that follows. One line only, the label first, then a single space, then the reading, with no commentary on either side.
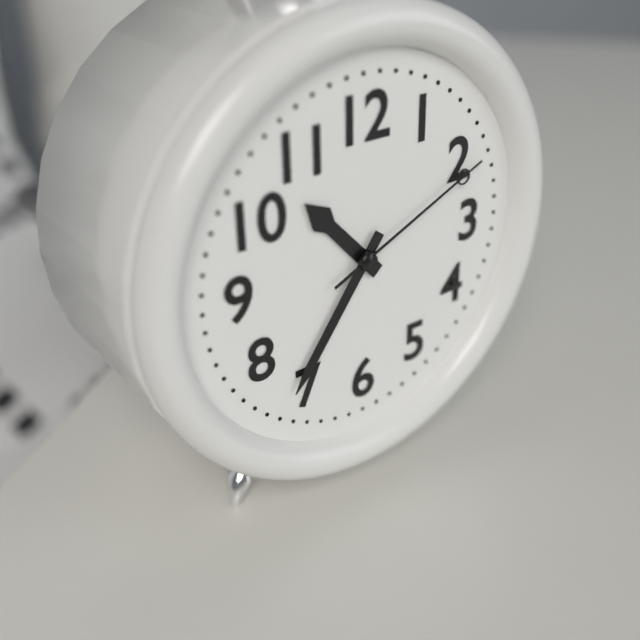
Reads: 10:36:11
